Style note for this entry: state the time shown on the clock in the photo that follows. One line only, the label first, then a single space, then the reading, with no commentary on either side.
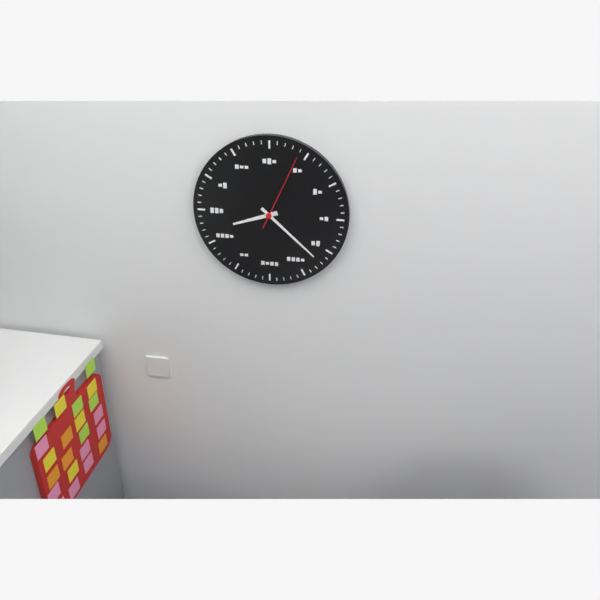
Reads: 8:22:04
